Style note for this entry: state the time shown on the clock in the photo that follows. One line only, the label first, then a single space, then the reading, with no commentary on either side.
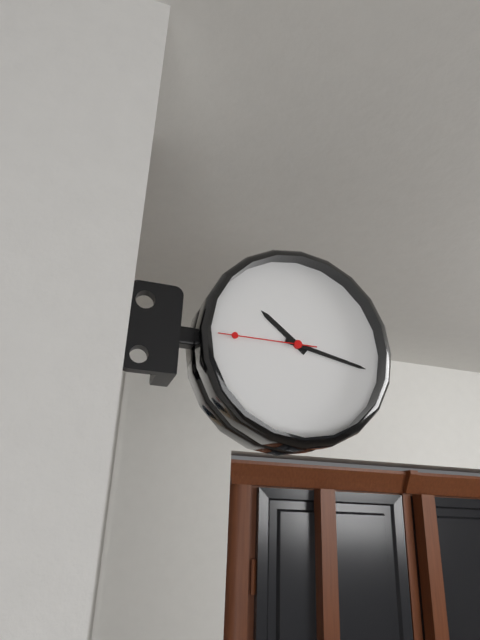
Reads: 10:17:45
